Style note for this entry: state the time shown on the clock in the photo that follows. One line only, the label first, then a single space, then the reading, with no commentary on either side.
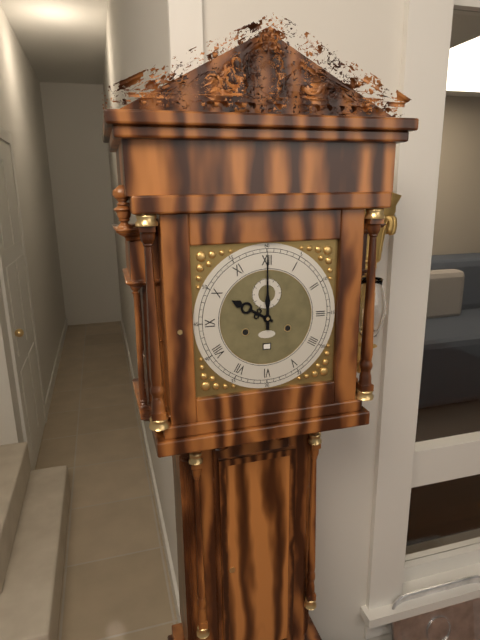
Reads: 10:00
